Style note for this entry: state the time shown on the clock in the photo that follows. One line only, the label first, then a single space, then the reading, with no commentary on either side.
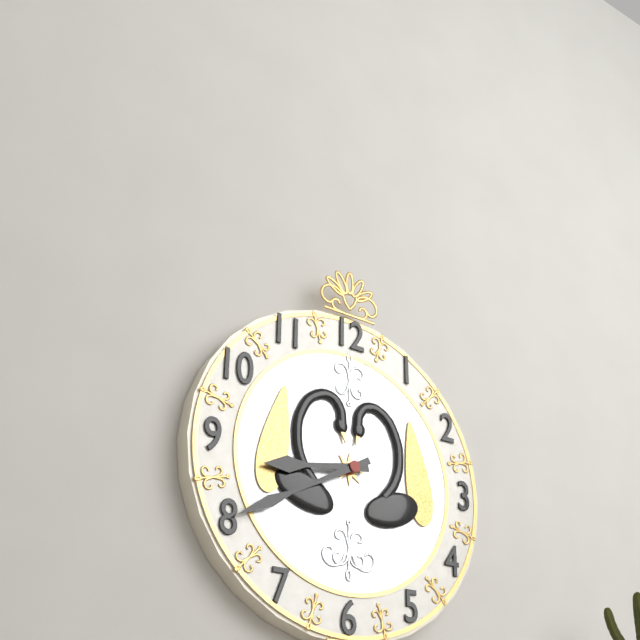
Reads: 8:40
